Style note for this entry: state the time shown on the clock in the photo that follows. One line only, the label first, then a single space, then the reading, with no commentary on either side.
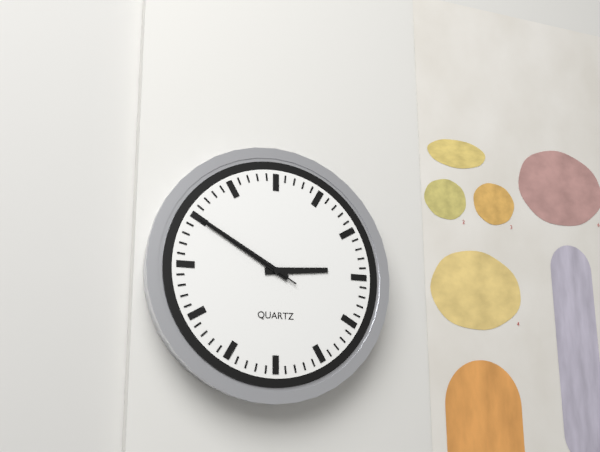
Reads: 2:50:50
